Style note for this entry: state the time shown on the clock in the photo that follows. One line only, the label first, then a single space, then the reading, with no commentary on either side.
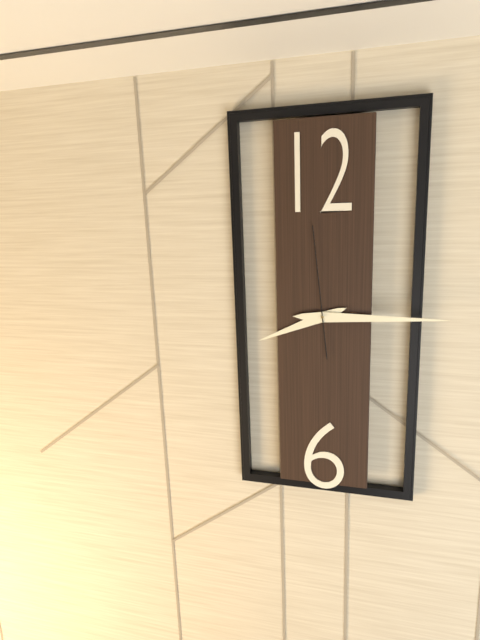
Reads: 8:15:59
